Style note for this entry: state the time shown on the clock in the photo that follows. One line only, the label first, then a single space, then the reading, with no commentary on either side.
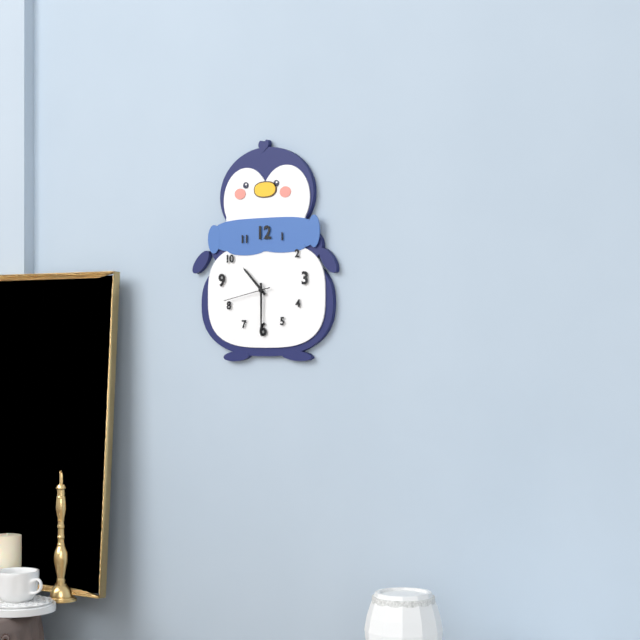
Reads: 10:30:43
